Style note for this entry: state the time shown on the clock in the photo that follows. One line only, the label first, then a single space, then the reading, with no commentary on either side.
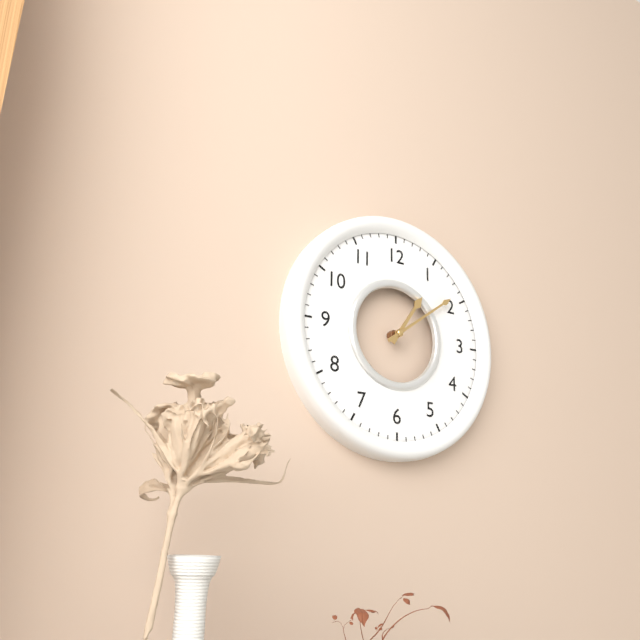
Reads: 1:09
